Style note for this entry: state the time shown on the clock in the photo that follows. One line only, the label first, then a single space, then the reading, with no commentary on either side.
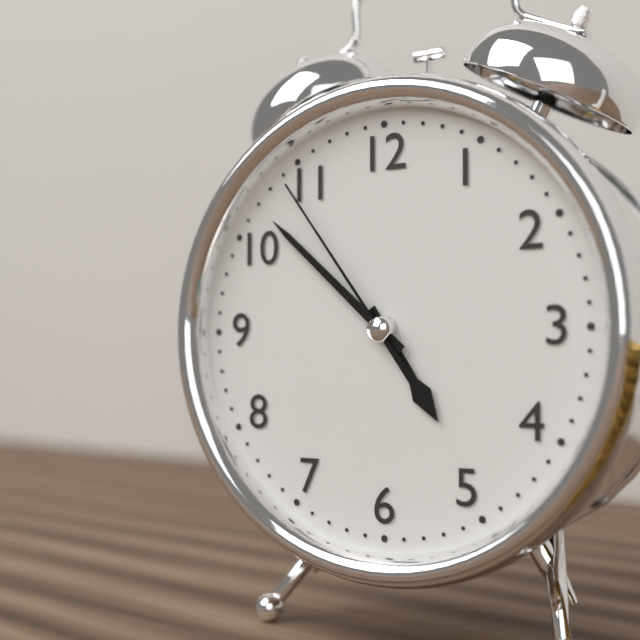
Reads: 4:52:54
